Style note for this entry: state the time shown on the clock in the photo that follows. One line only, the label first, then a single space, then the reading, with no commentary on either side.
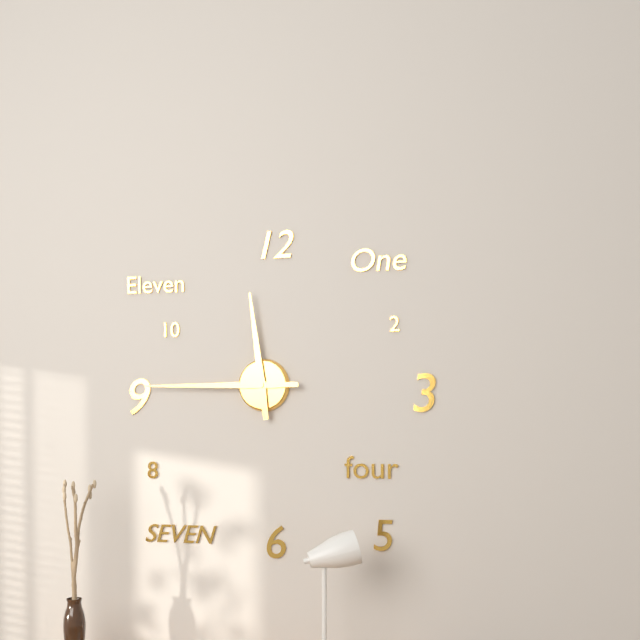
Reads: 11:45
